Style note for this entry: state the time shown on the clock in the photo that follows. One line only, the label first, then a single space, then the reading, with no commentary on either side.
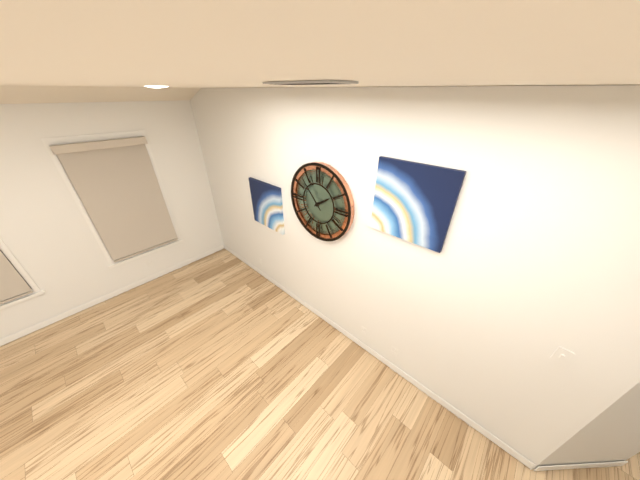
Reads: 1:53
